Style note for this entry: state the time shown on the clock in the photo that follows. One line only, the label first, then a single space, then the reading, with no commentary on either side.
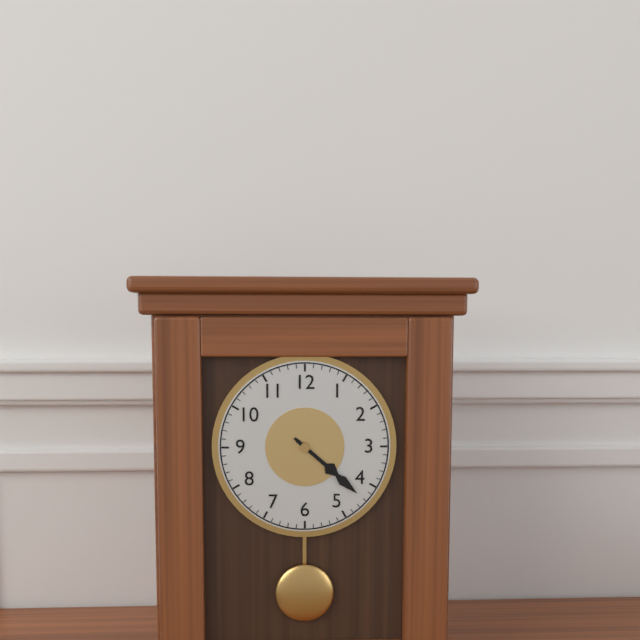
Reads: 4:22
